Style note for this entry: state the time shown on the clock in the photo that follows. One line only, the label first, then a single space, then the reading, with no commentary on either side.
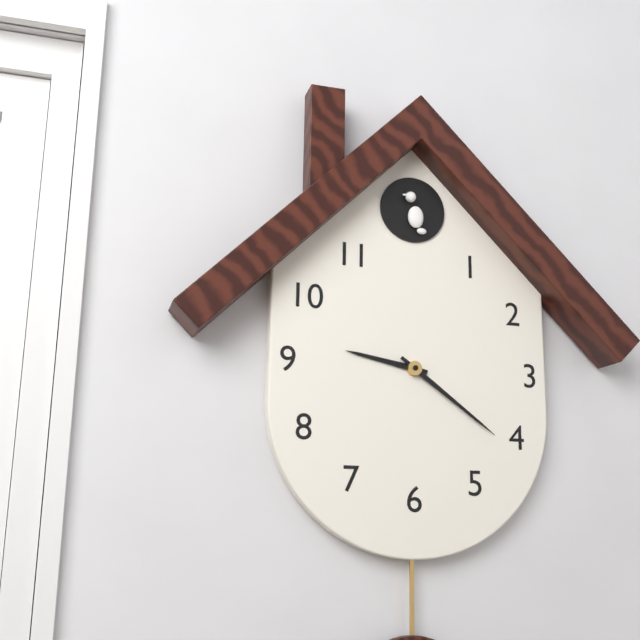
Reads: 9:21
